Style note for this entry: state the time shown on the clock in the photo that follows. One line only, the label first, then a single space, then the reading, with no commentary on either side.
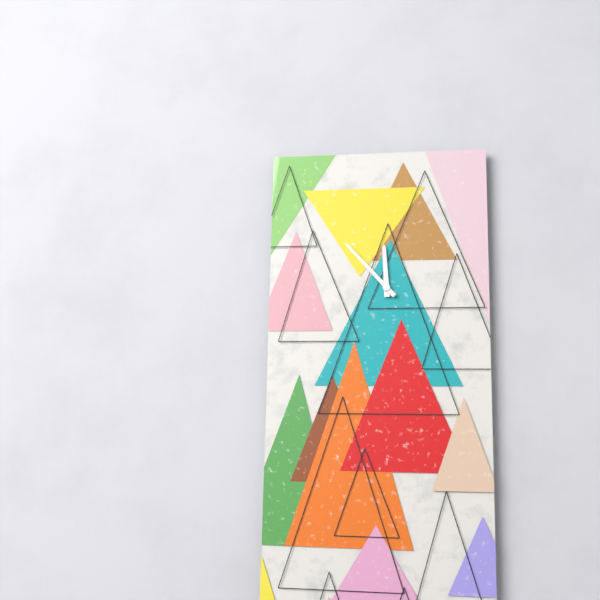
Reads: 11:53
